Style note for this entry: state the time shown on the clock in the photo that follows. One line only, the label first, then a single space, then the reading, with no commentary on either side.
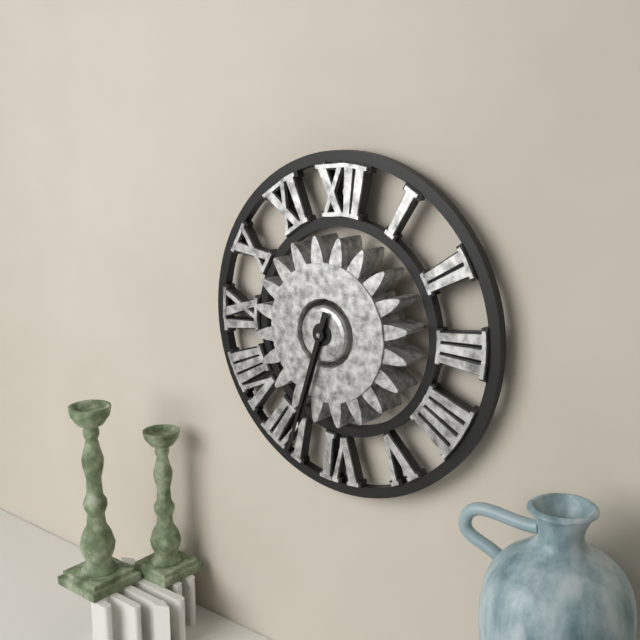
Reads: 6:33
